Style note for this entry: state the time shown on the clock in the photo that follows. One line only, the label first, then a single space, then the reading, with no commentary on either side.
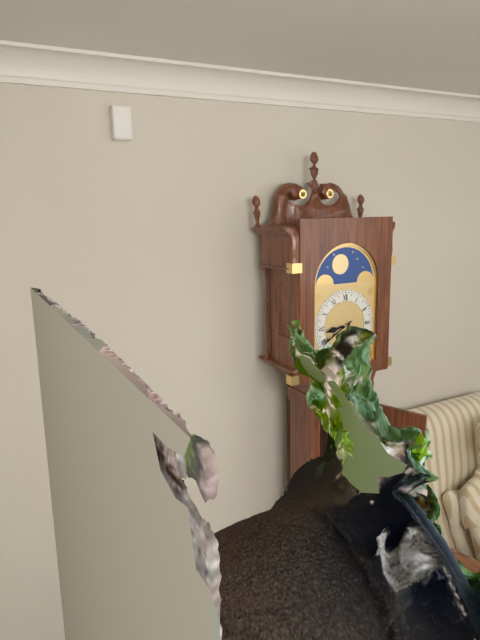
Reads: 8:40
